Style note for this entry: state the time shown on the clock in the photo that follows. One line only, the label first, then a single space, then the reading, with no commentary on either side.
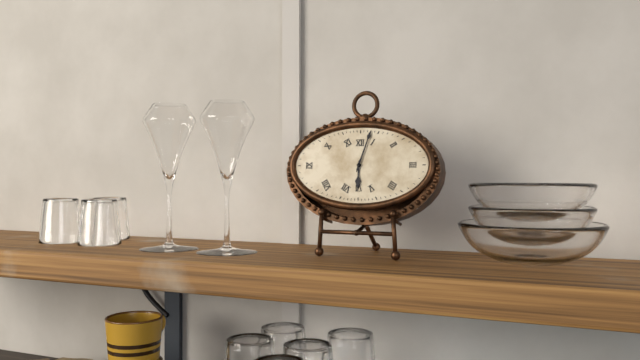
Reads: 6:03
